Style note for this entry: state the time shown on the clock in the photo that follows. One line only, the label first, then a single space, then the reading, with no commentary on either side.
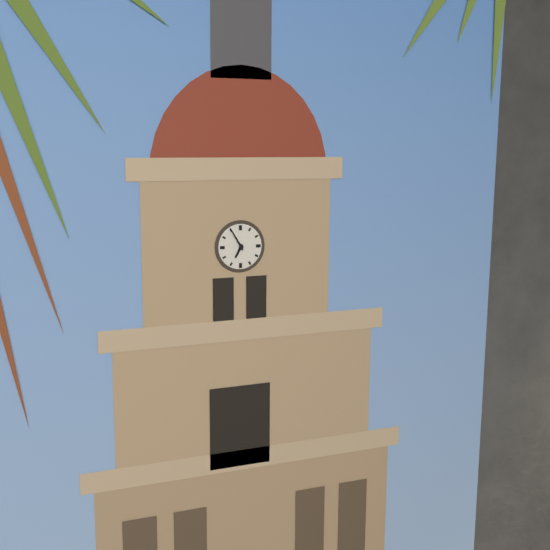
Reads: 6:55
